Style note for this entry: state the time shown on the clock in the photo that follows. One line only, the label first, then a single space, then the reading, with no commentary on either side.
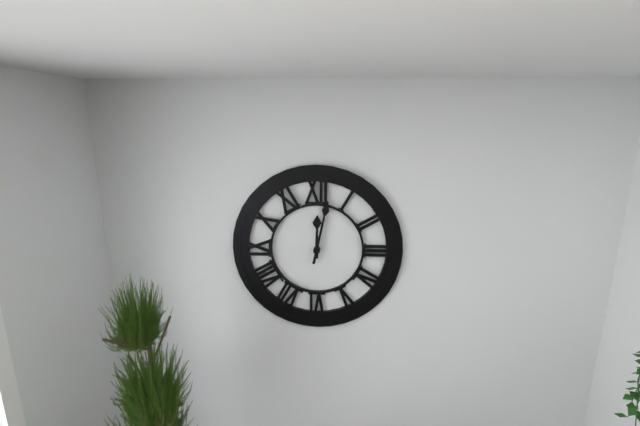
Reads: 12:02
